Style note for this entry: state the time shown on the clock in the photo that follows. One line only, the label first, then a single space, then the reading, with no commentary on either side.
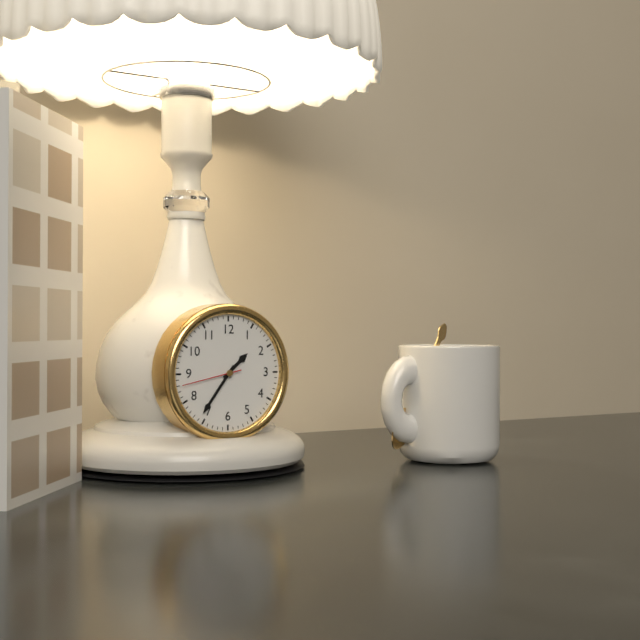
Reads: 1:36:43
